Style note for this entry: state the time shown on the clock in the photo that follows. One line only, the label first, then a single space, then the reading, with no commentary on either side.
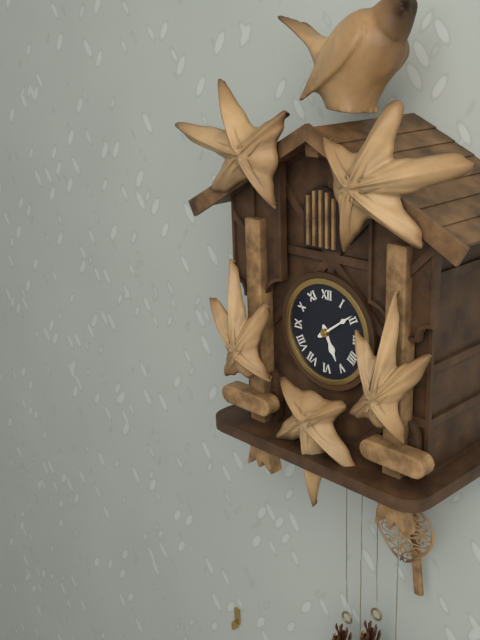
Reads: 5:09
